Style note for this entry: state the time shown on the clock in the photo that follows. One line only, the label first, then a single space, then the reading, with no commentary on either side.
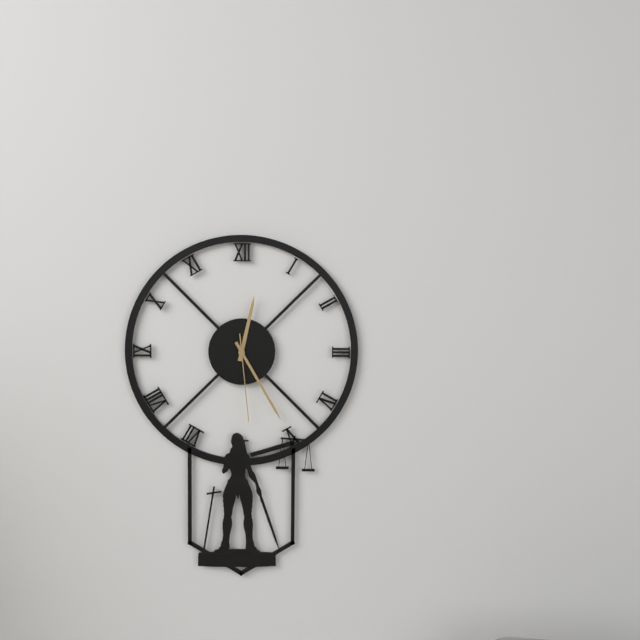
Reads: 12:25:29
